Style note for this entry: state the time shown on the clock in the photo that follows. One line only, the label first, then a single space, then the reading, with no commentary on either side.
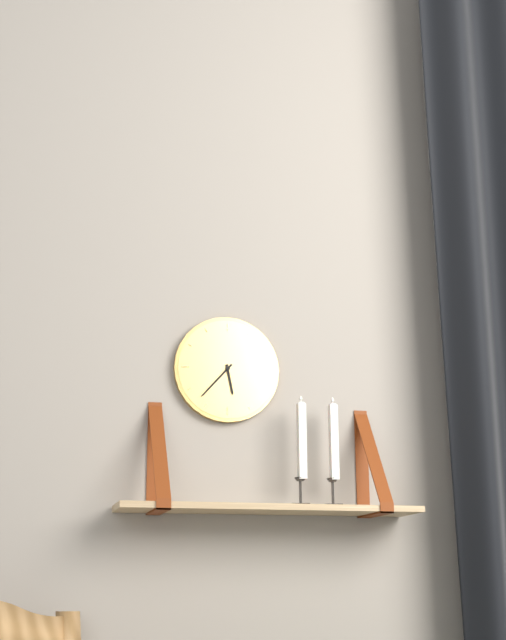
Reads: 5:37
